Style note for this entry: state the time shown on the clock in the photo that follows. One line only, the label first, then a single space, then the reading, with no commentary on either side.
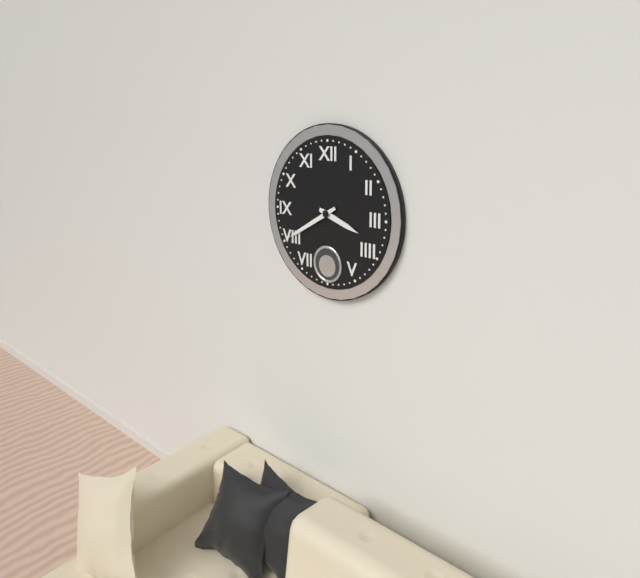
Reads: 3:40
